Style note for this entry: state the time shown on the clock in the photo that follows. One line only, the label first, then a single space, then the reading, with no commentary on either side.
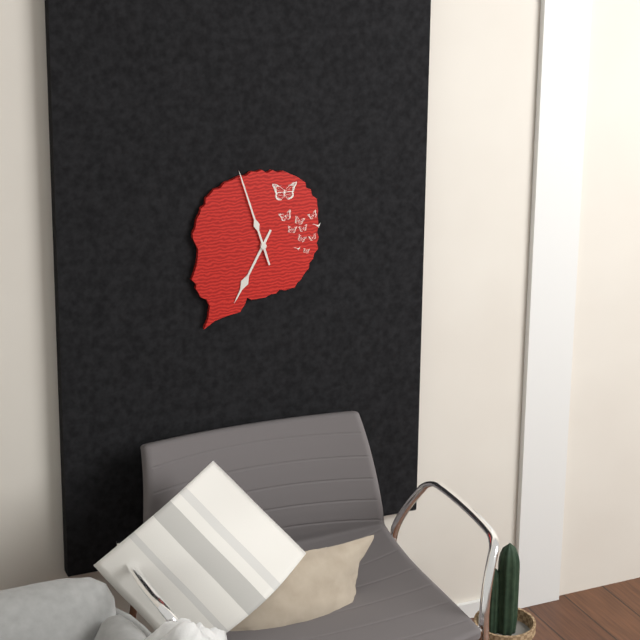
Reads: 6:57
